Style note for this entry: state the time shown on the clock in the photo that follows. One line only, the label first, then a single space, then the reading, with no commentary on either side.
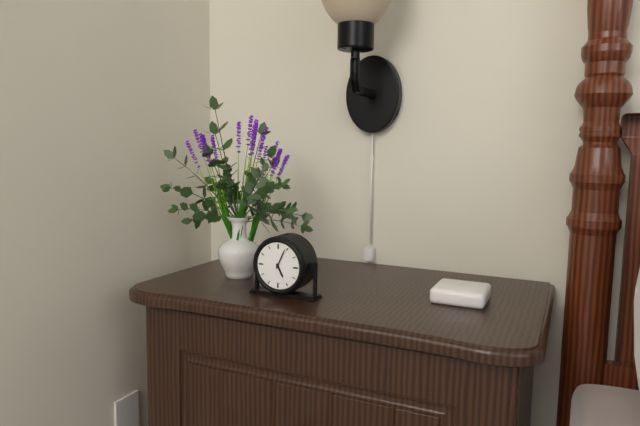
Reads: 5:04
